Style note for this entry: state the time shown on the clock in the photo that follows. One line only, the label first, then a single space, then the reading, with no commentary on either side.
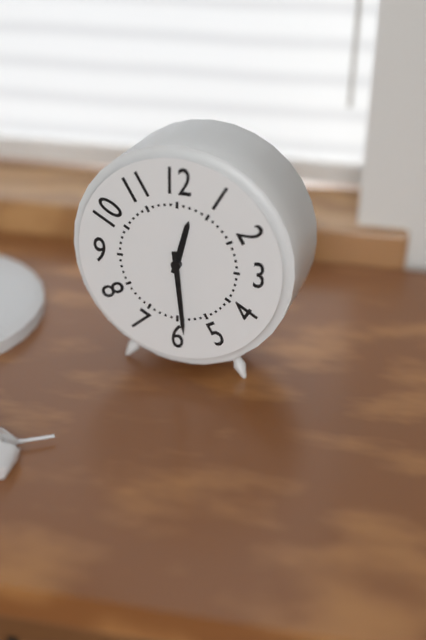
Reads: 12:29
